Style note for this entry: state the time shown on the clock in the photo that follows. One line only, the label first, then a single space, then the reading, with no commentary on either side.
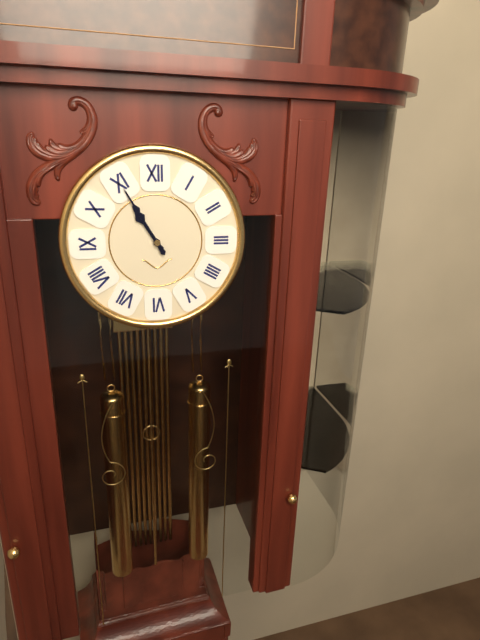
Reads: 10:55
